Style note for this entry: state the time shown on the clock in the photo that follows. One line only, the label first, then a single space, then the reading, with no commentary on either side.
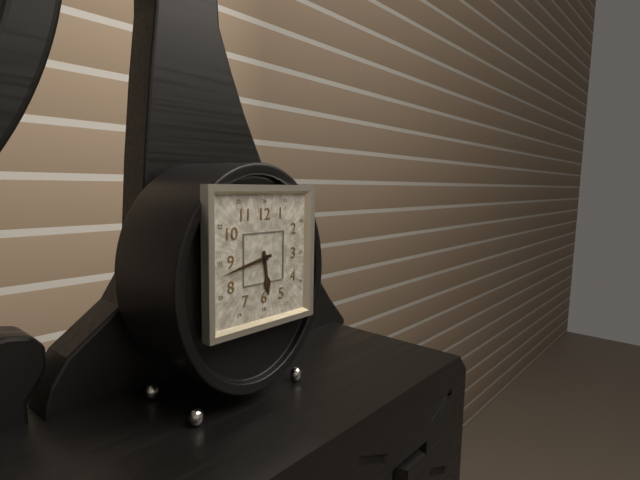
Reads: 5:43
